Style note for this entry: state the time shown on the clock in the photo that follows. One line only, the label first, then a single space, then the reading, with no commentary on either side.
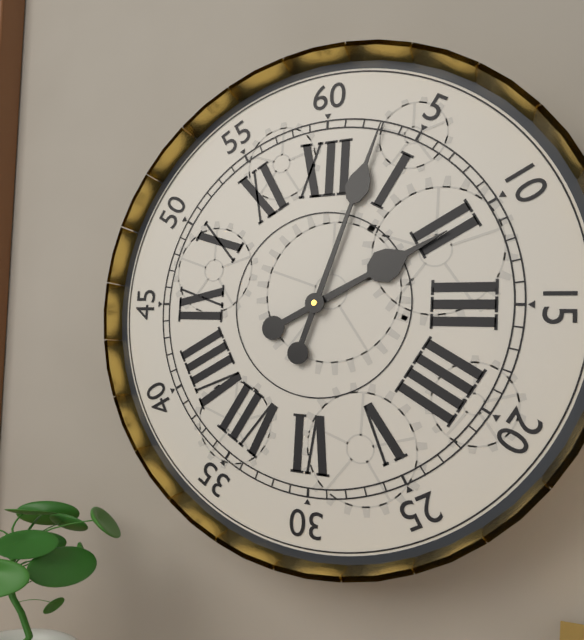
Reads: 2:03
